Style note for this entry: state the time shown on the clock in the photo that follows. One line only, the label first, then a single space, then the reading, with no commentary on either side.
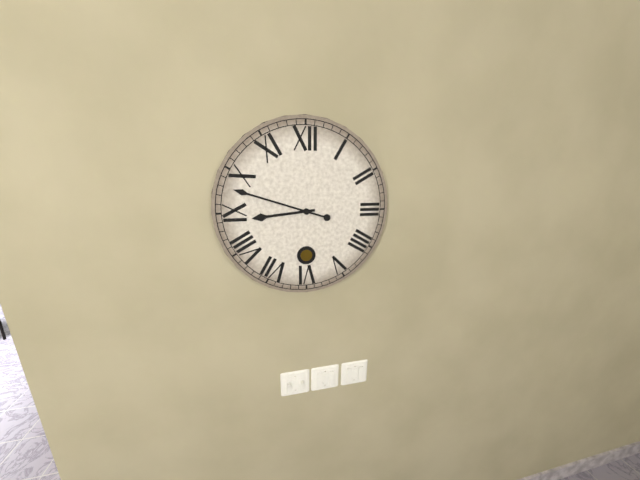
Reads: 8:48
